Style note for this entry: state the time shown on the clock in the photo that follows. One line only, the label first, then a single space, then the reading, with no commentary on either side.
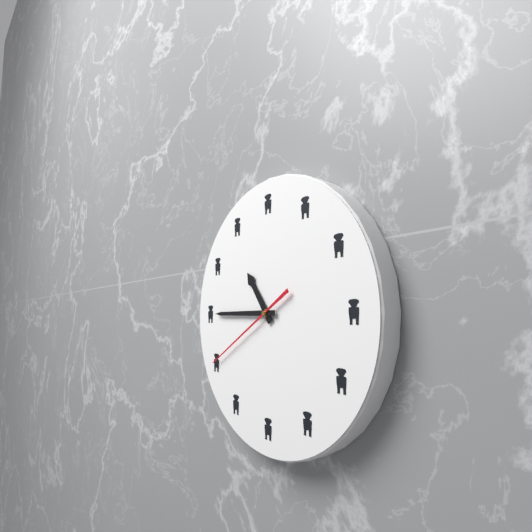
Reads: 10:45:40
